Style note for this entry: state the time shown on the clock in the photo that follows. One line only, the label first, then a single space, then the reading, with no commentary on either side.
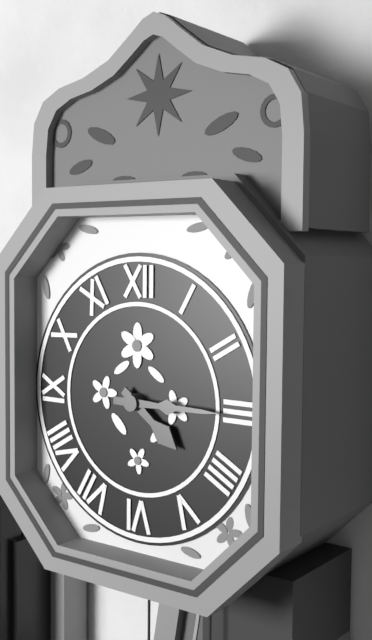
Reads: 4:15
